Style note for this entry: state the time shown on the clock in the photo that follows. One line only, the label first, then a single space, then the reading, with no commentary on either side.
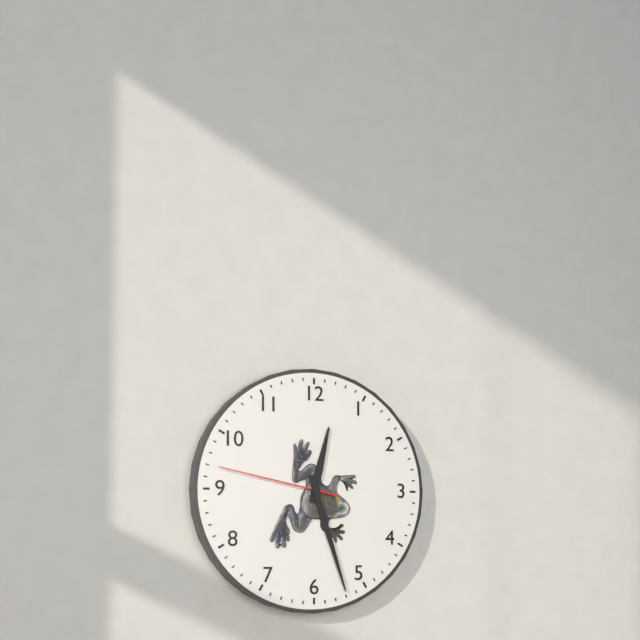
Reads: 12:27:47
